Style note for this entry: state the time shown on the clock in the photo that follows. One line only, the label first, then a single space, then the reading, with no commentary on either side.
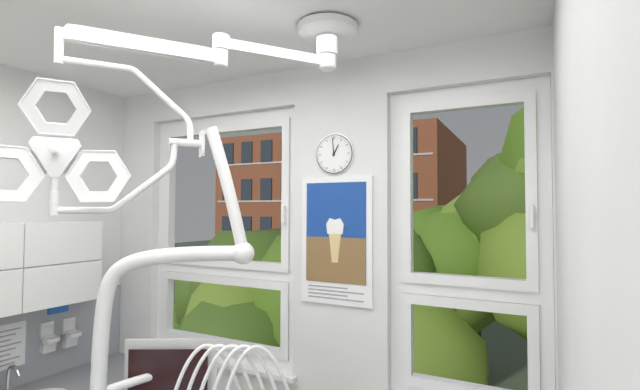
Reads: 12:59
